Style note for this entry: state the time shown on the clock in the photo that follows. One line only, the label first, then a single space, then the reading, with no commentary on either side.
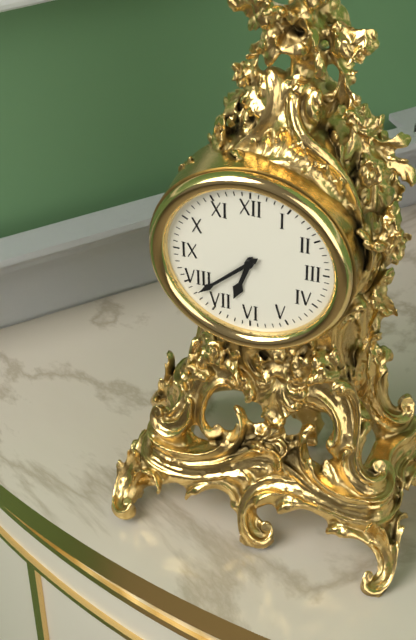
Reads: 6:38
